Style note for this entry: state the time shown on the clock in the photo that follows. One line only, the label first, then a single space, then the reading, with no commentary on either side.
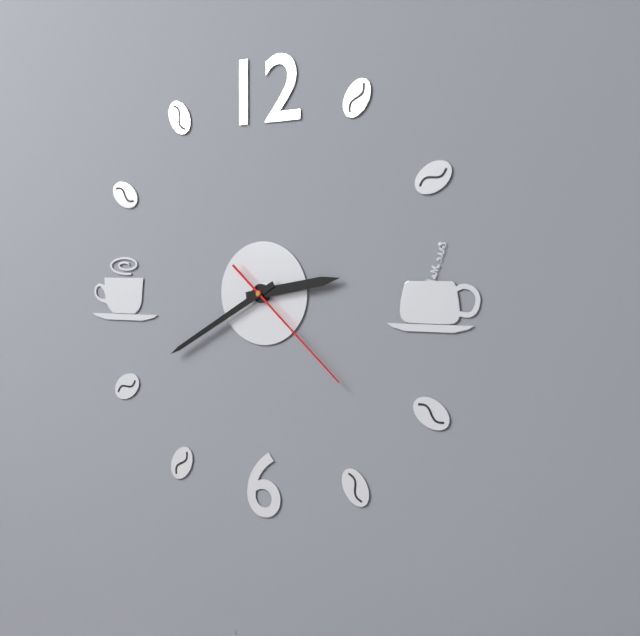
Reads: 2:40:22
